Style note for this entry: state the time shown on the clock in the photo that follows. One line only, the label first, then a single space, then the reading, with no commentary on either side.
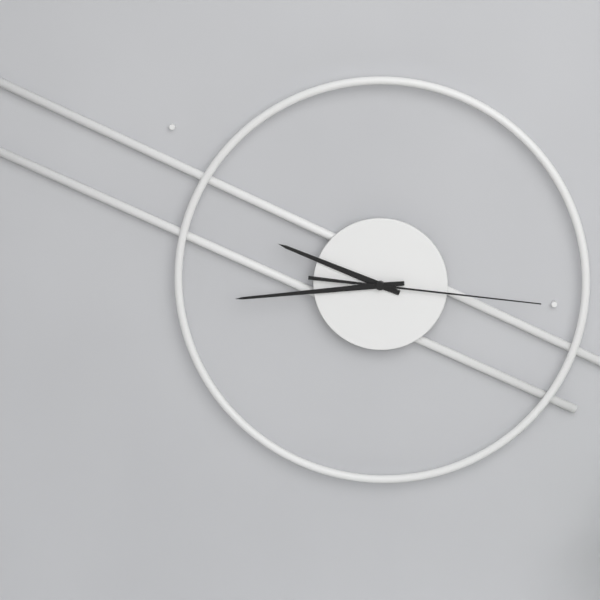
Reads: 9:44:16
